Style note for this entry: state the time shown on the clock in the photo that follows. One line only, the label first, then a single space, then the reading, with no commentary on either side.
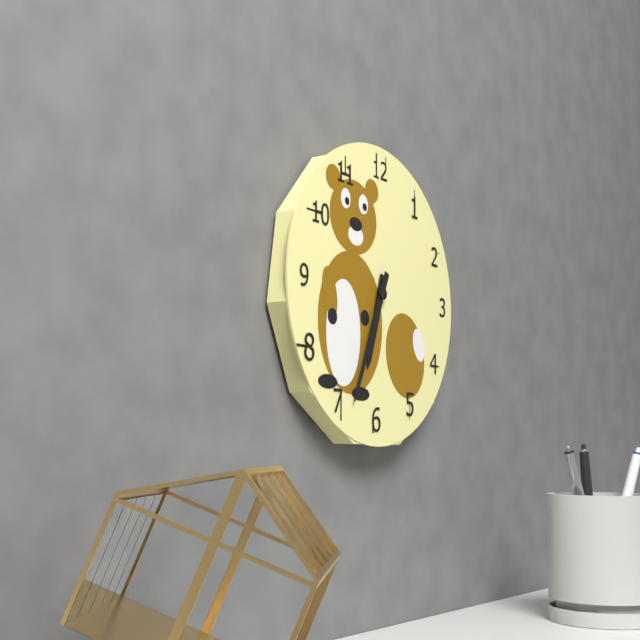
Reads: 6:34
